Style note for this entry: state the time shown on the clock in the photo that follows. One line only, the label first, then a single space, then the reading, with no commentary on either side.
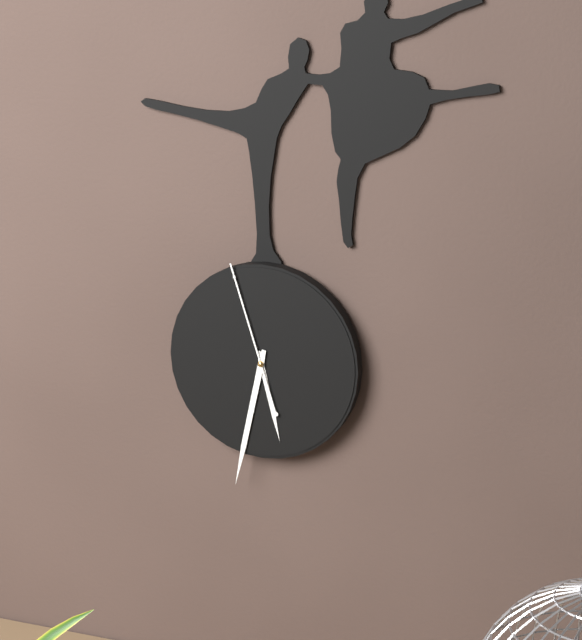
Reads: 5:32:57
